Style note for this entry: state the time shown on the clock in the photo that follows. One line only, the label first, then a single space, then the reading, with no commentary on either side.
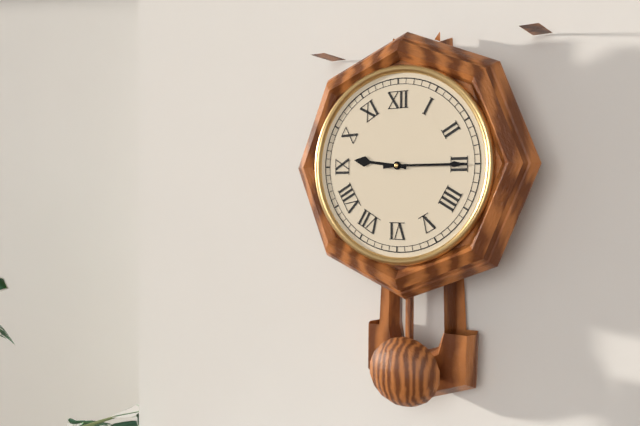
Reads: 9:15
